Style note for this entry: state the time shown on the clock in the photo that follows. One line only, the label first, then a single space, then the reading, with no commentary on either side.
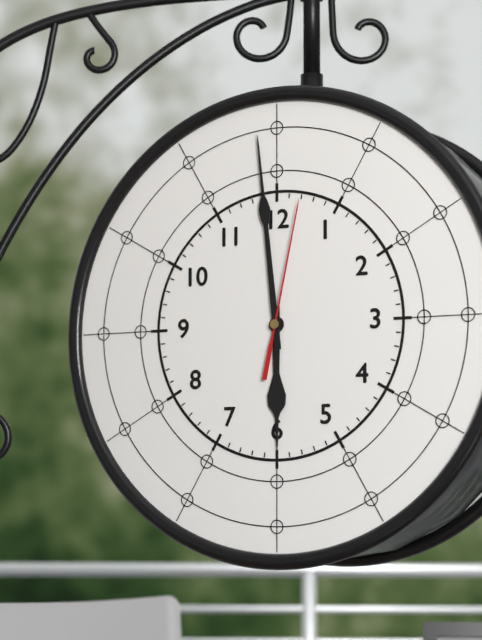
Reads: 5:59:02
